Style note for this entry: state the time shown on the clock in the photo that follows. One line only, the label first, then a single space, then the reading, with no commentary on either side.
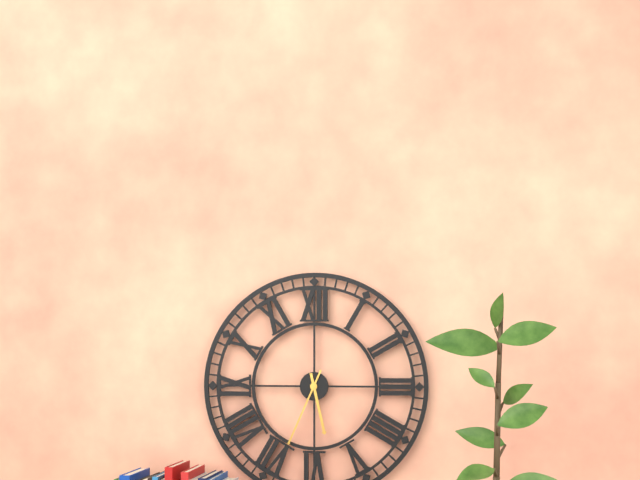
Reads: 5:34
